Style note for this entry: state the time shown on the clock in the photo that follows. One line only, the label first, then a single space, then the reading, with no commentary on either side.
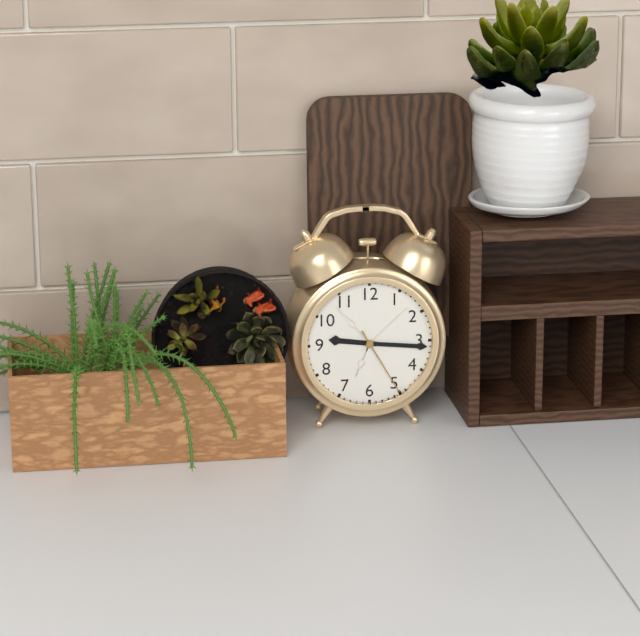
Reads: 9:16:25
